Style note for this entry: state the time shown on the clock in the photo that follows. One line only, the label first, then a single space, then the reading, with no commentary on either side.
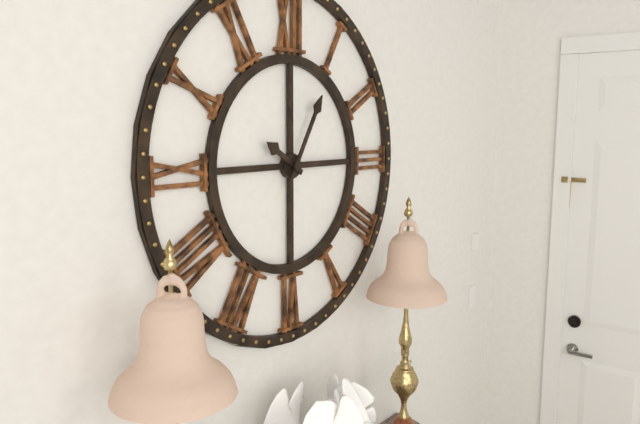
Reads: 10:05
